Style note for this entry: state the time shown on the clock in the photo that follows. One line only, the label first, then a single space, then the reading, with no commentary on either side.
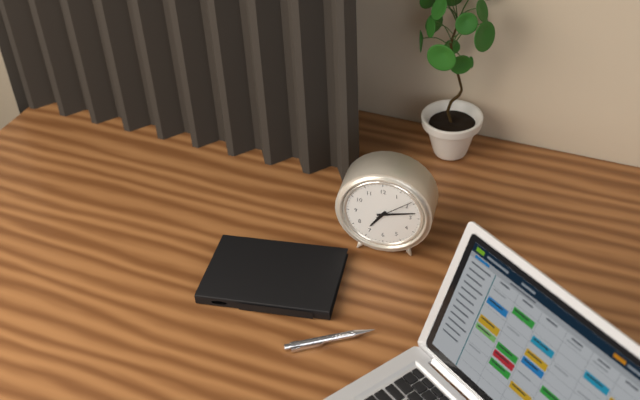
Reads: 7:13
